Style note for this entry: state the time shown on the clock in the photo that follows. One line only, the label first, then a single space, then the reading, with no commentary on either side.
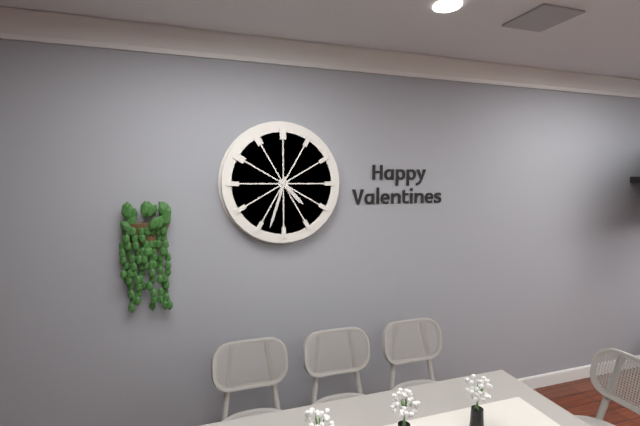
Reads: 4:33
